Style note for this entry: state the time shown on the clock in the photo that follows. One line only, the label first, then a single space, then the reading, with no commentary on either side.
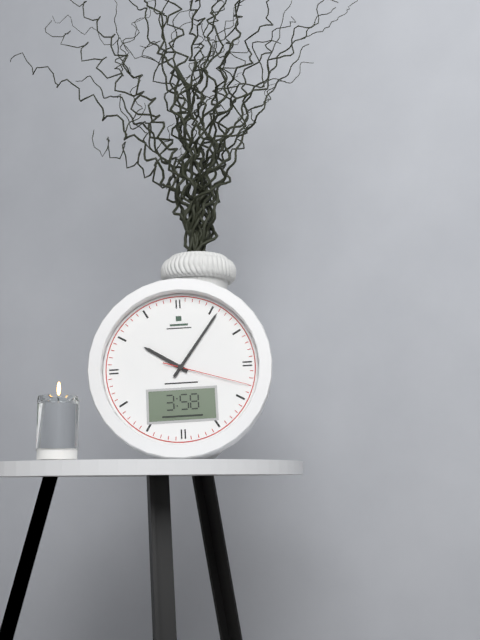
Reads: 10:06:18
